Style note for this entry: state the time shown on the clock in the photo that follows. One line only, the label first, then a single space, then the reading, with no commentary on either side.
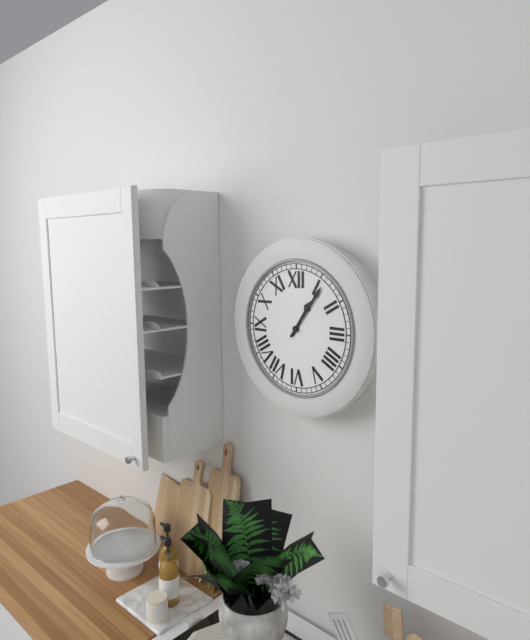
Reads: 1:06
